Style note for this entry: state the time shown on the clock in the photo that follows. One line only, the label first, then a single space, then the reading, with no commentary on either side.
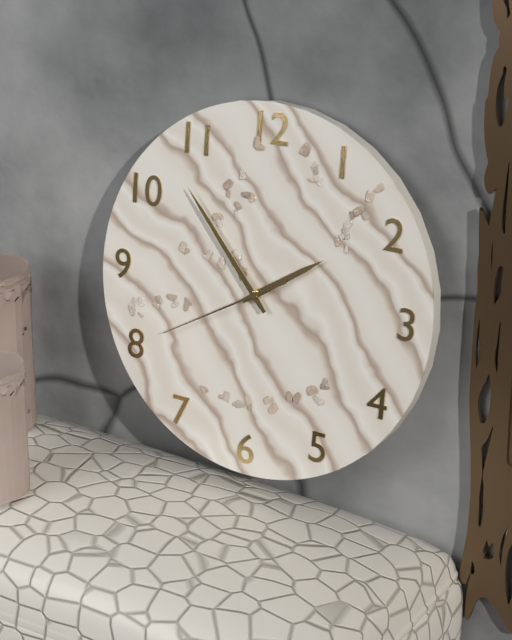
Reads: 1:53:40
